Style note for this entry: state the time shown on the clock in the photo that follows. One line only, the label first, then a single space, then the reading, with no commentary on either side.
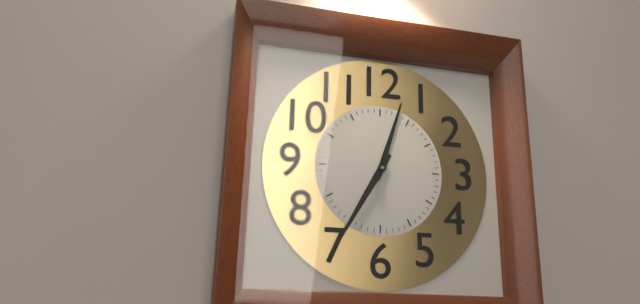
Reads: 12:35
